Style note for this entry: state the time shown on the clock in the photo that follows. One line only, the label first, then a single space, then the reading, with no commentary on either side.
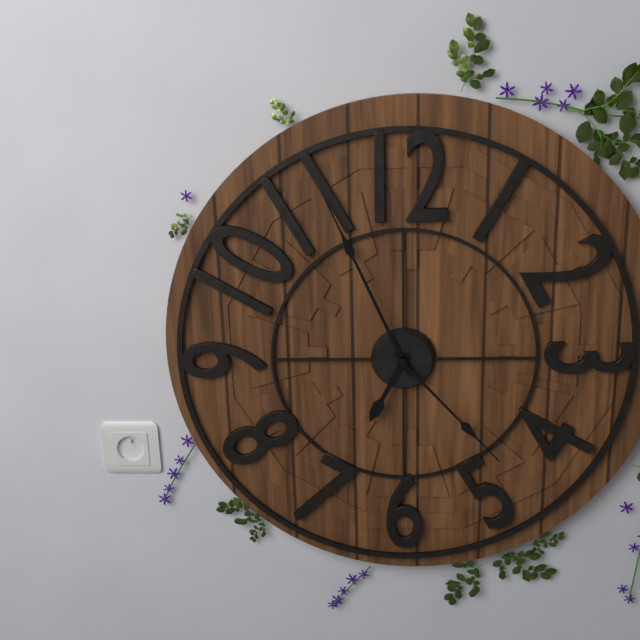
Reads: 6:56:23
